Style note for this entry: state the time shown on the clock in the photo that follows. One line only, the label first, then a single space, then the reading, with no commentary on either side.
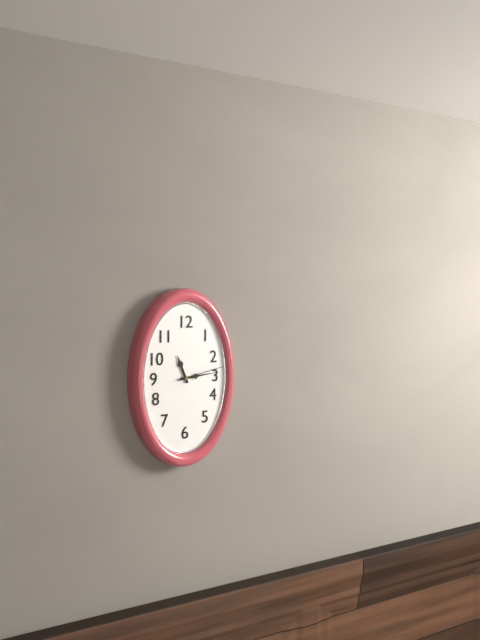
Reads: 11:14
